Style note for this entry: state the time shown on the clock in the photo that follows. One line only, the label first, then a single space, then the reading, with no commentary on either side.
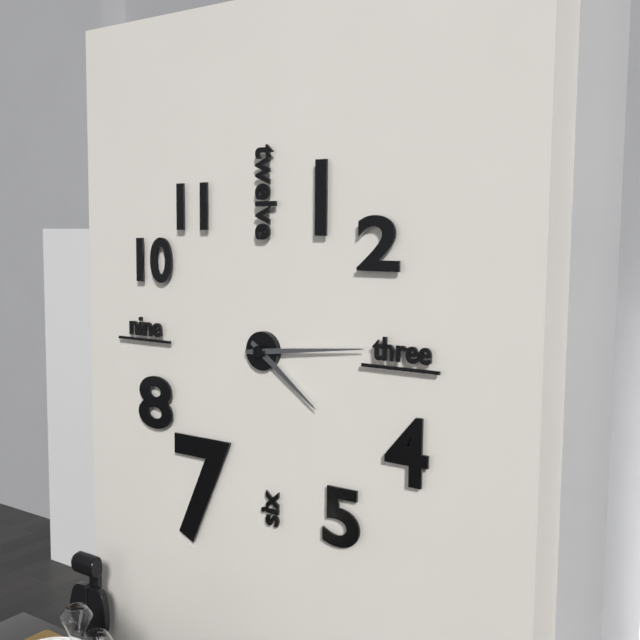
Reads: 4:14
